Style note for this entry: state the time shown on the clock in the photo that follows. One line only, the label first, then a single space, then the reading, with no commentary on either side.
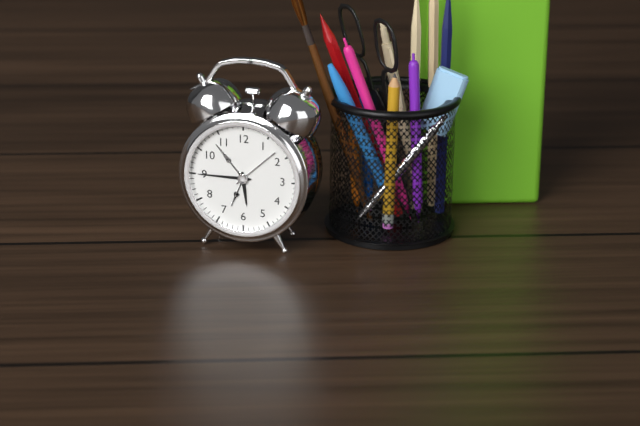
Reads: 5:45
